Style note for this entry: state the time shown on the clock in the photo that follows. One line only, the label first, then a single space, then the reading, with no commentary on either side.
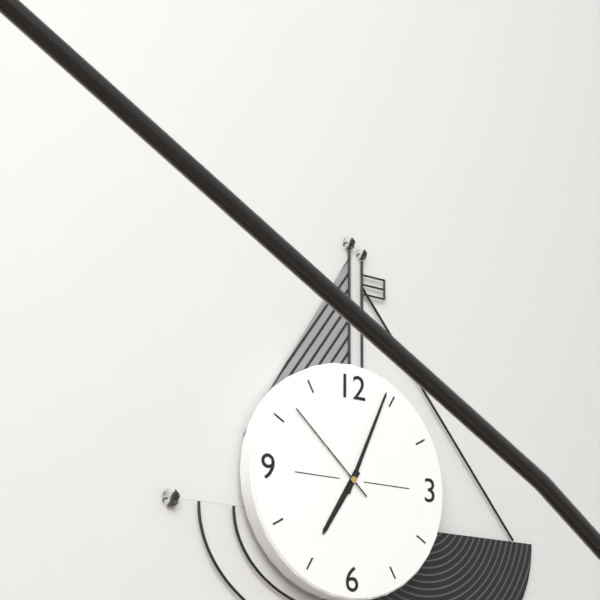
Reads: 7:04:52
